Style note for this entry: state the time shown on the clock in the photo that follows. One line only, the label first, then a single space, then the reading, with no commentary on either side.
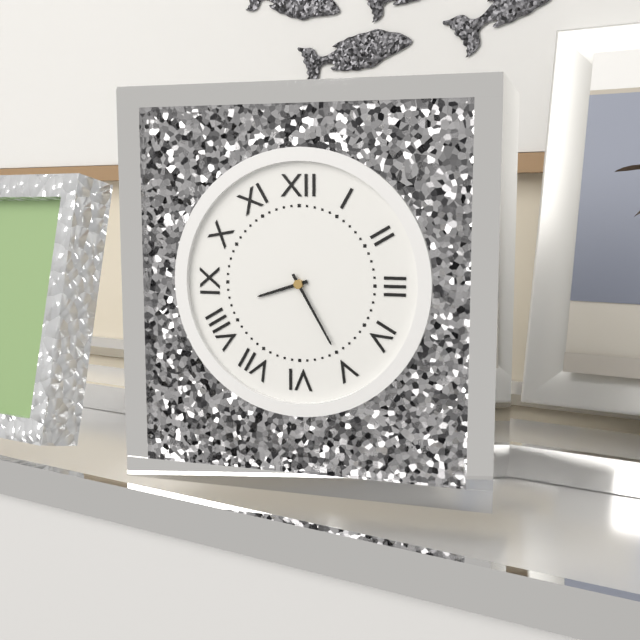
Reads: 8:25
